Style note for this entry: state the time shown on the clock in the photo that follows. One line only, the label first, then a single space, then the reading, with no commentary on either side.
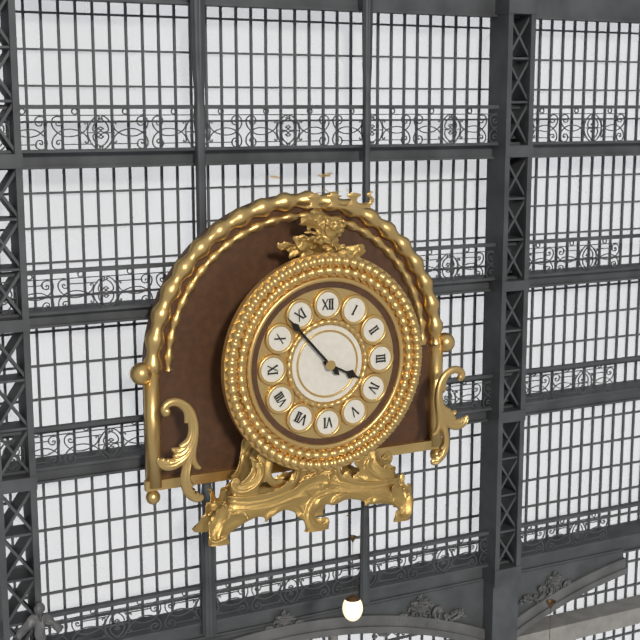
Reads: 3:53
